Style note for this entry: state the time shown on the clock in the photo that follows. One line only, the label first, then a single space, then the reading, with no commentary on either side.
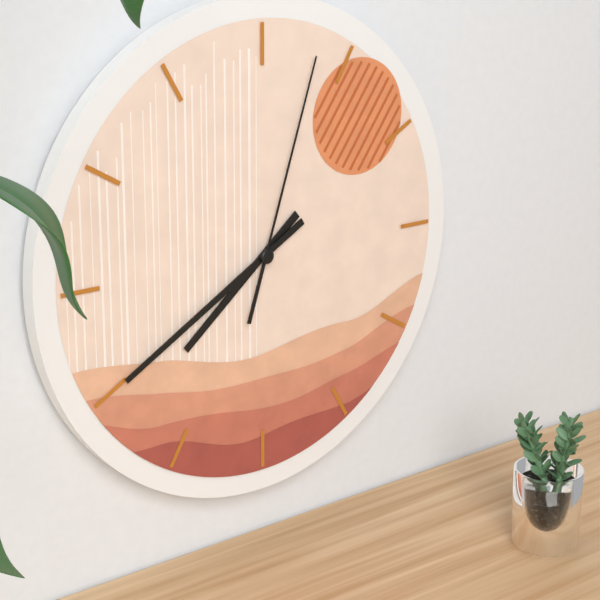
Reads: 7:40:03
